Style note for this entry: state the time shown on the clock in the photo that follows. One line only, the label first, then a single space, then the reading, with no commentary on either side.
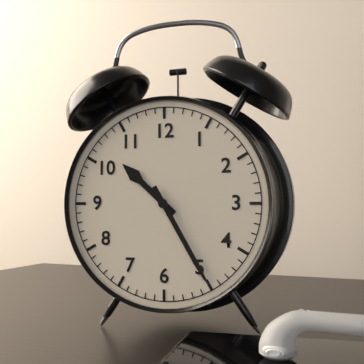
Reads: 10:25
